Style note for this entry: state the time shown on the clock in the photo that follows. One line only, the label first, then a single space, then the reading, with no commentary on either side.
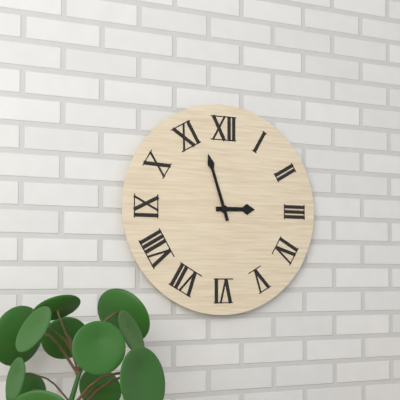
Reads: 2:57
